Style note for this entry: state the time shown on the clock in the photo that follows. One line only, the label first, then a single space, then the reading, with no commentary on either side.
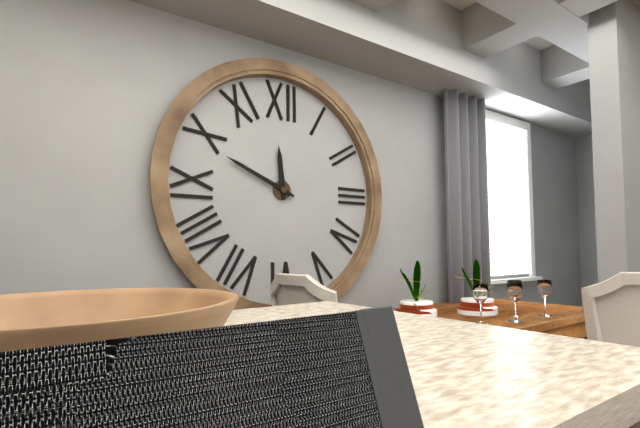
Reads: 11:49
